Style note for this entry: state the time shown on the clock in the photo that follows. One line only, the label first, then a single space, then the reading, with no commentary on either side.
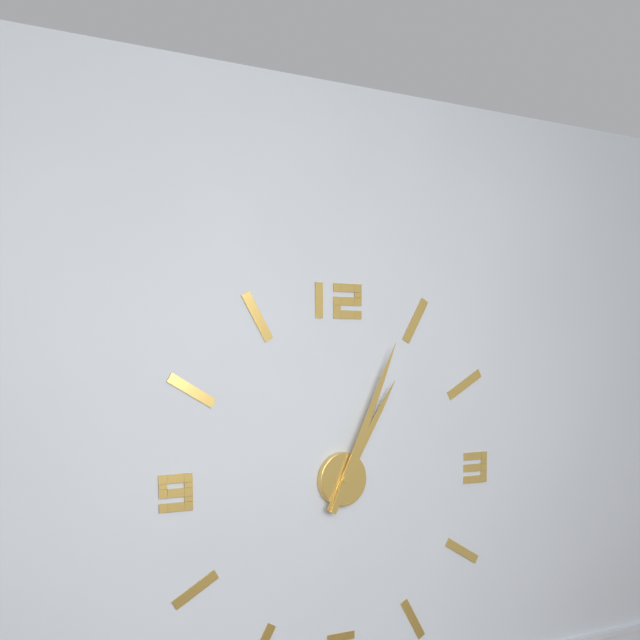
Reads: 1:04
